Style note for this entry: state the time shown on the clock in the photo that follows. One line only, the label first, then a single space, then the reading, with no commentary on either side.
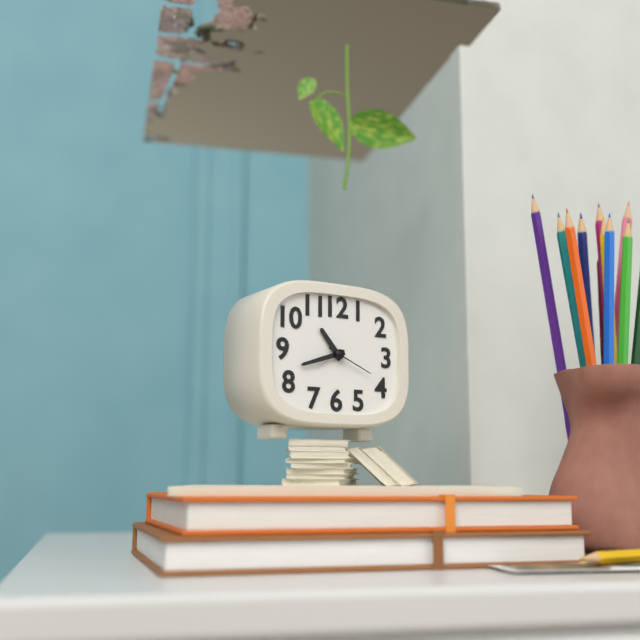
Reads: 10:42
